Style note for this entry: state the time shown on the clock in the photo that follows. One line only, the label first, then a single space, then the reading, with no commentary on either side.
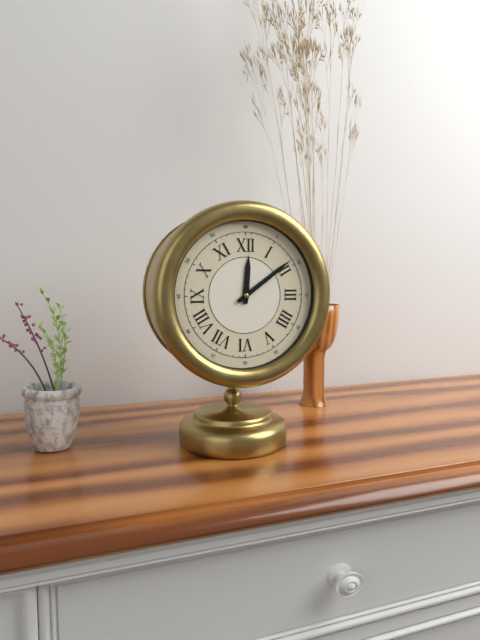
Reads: 12:09
